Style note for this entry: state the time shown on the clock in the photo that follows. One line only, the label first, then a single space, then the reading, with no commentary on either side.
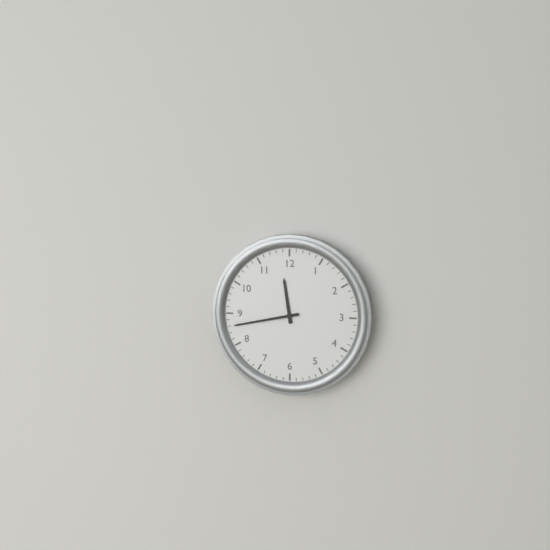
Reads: 11:43
